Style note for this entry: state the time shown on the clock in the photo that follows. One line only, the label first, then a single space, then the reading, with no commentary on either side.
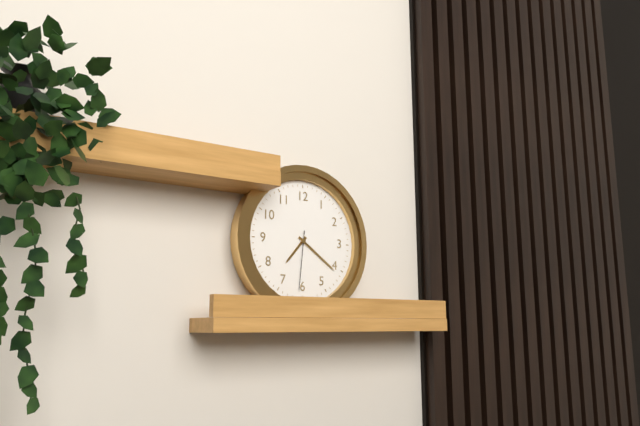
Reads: 7:21:31
